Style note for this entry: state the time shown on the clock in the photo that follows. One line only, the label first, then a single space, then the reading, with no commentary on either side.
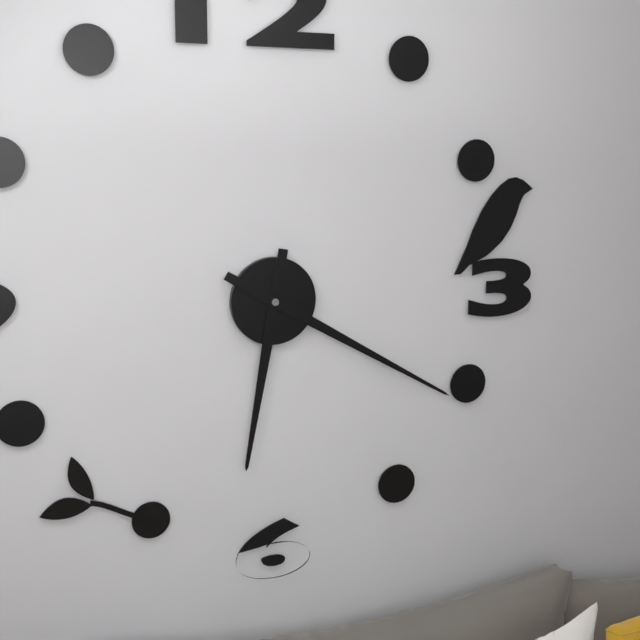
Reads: 6:20
